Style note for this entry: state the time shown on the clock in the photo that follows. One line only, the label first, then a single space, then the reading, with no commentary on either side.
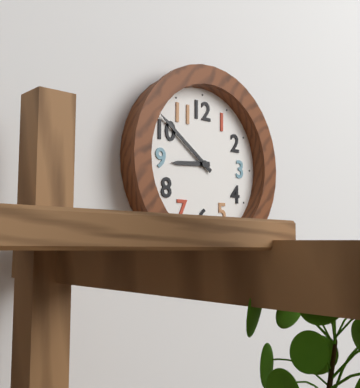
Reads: 8:51
